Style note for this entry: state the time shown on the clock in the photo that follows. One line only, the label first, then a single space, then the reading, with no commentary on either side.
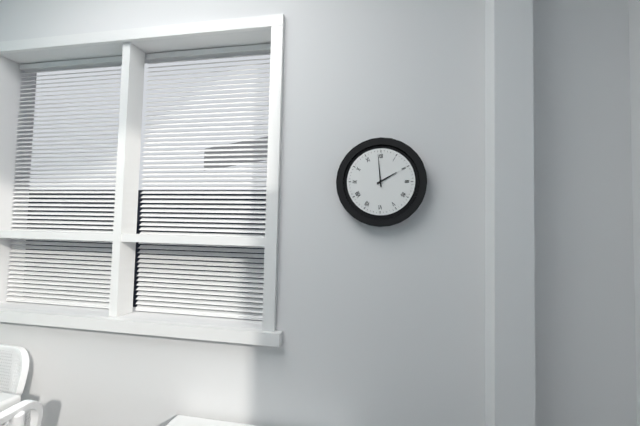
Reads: 1:59
